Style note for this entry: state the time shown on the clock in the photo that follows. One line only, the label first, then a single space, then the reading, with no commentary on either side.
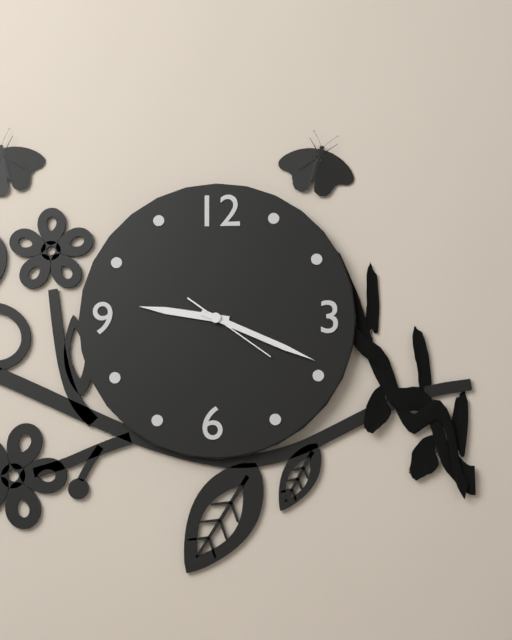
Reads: 9:19:21
